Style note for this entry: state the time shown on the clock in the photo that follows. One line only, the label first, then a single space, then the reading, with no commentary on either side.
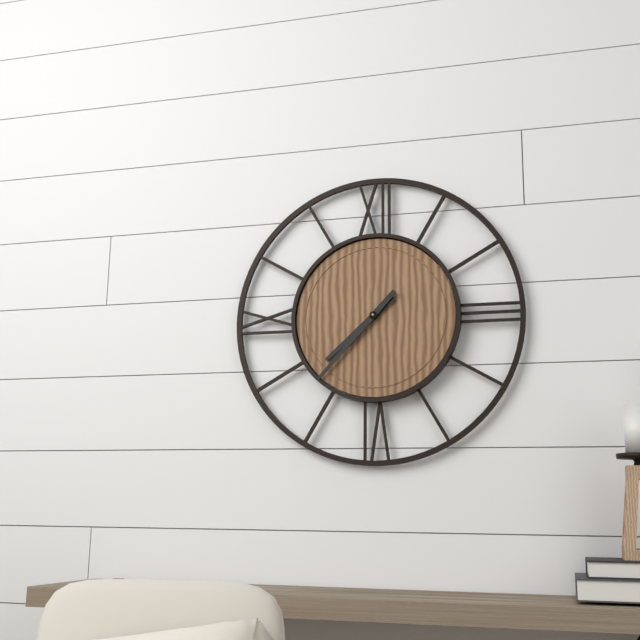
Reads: 7:37
